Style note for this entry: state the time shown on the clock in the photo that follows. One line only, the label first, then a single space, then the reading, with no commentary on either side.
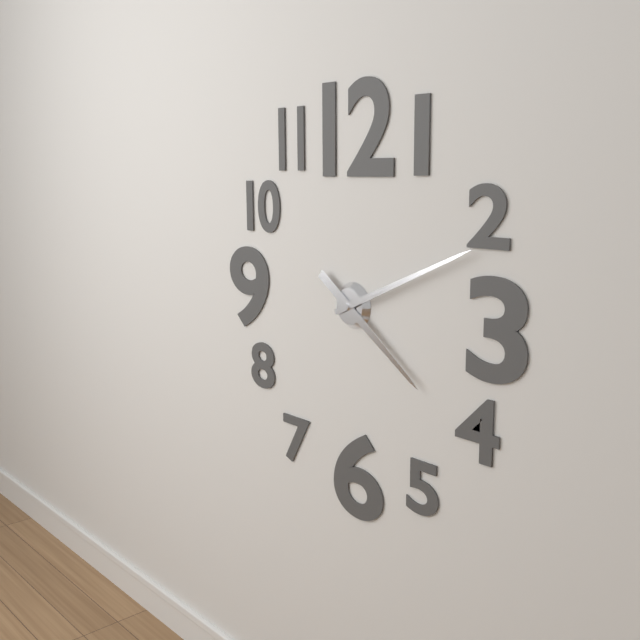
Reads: 4:11
